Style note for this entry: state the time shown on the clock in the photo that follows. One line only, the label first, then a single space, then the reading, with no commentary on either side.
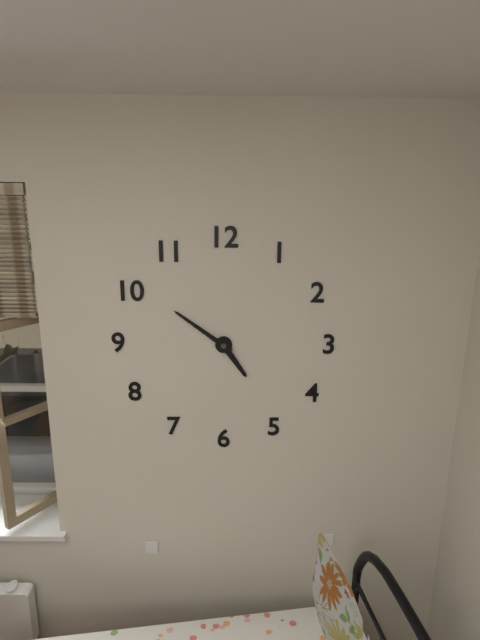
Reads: 4:51
